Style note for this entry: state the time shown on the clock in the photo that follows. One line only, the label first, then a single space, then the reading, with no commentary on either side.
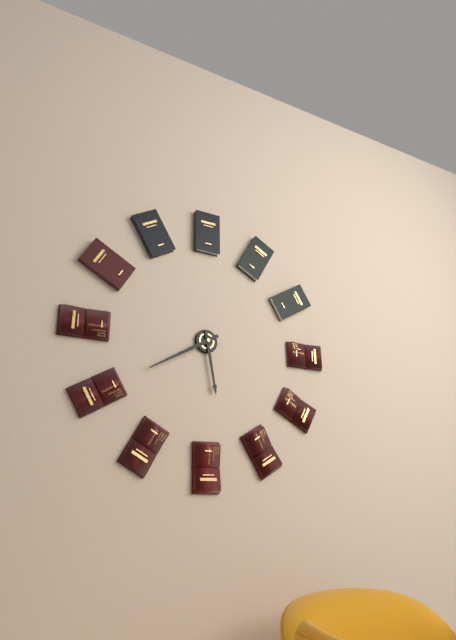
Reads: 5:40
